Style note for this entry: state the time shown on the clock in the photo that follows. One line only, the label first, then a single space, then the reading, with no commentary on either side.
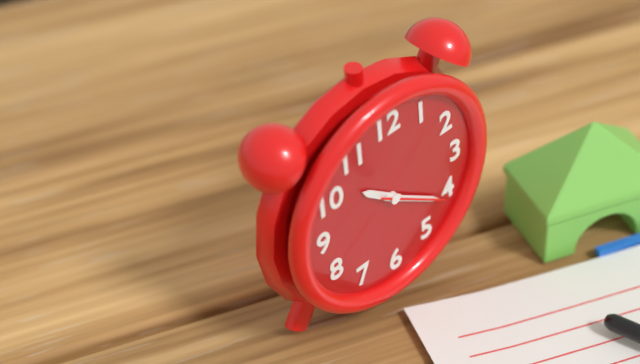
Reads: 10:21:21
